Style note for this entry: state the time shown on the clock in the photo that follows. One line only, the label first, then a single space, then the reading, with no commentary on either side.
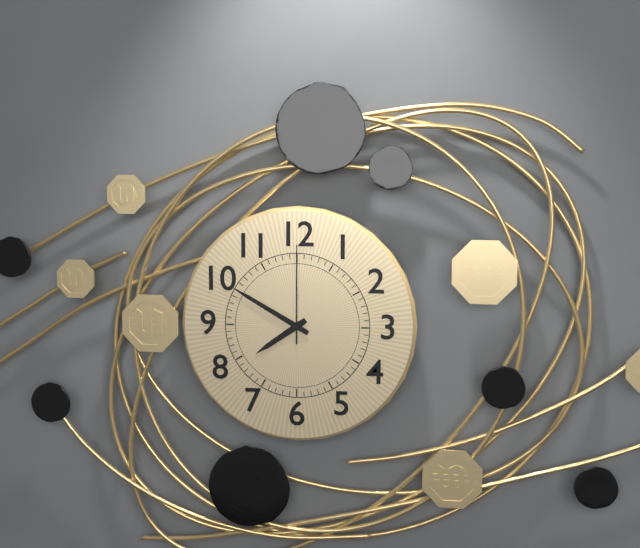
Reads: 7:50:00
